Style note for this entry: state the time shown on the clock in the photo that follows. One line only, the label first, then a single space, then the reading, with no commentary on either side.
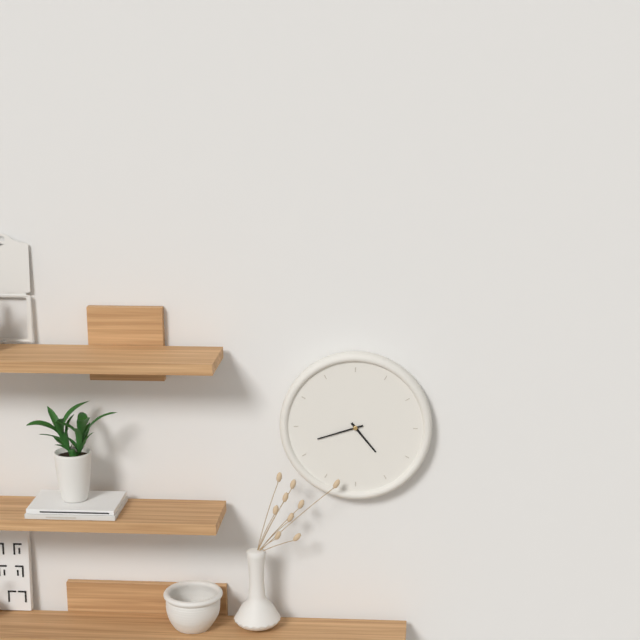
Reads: 4:42
